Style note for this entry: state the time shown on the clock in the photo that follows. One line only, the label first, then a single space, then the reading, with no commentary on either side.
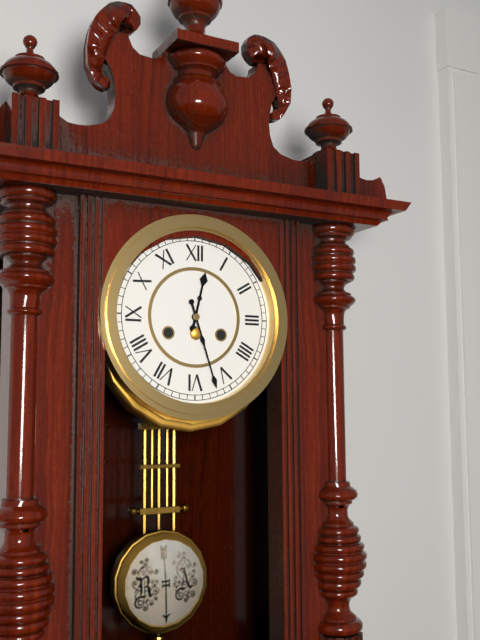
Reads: 12:27
